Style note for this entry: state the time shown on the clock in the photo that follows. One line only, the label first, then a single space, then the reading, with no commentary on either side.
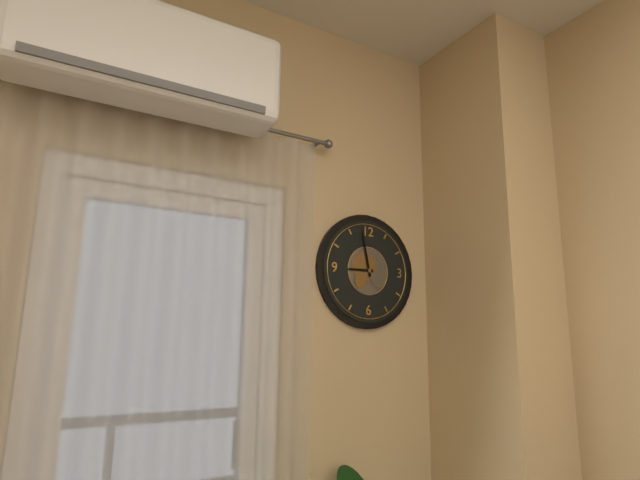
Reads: 8:58
